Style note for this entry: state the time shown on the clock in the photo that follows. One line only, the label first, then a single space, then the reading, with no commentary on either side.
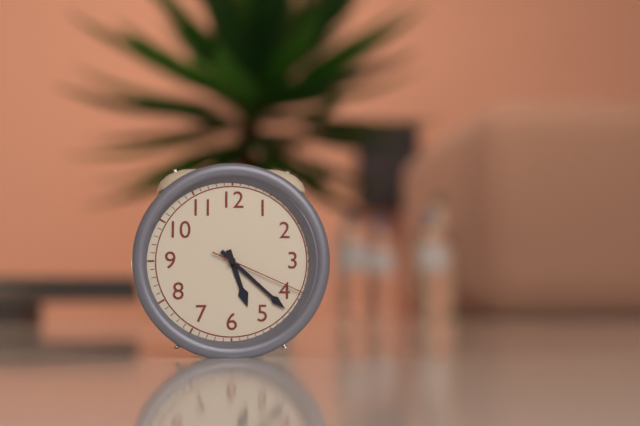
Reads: 5:22:19
